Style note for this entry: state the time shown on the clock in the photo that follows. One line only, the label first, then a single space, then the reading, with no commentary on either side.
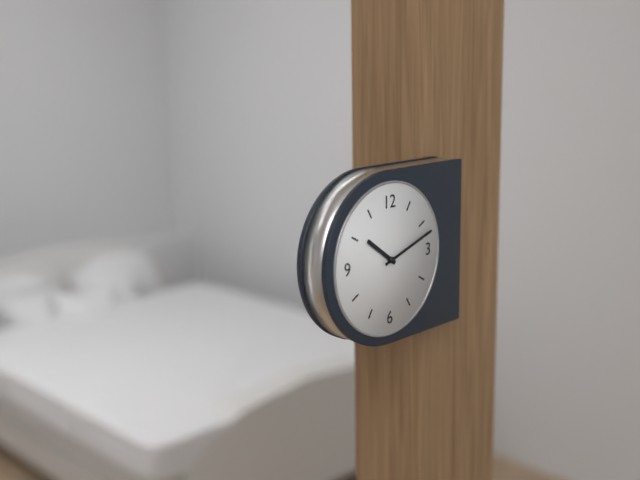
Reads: 10:12
